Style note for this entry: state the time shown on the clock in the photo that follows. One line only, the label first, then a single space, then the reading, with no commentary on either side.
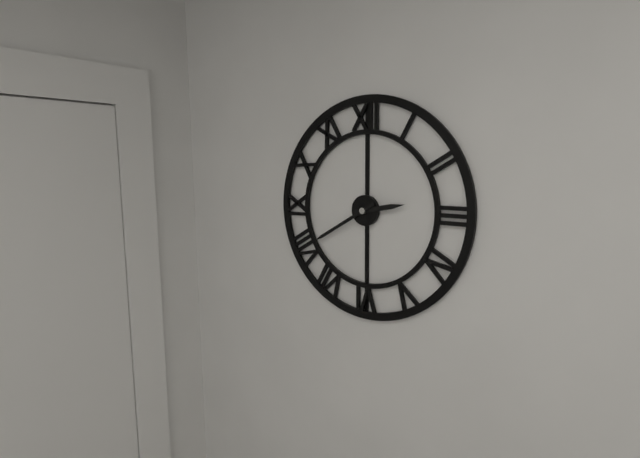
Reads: 2:40
